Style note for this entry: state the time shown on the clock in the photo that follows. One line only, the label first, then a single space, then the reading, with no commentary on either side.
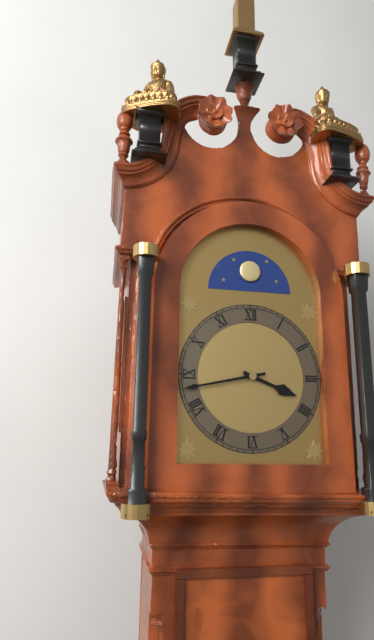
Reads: 3:43
